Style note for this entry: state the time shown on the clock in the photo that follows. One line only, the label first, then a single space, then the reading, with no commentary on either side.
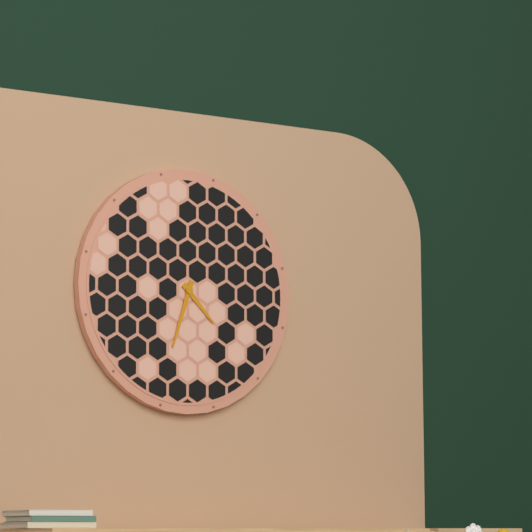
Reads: 4:33
